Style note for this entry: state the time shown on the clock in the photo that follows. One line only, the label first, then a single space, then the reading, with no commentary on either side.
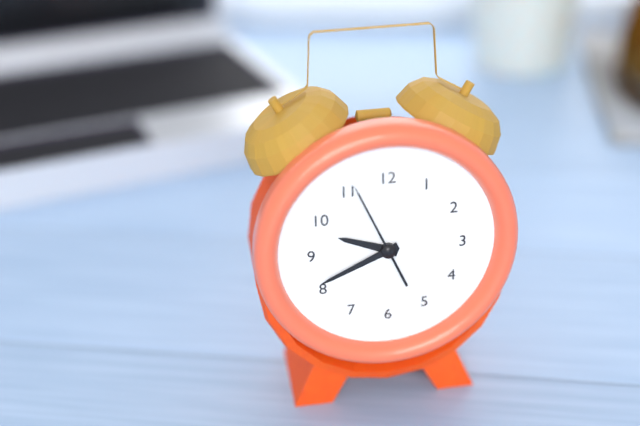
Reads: 9:41:56
